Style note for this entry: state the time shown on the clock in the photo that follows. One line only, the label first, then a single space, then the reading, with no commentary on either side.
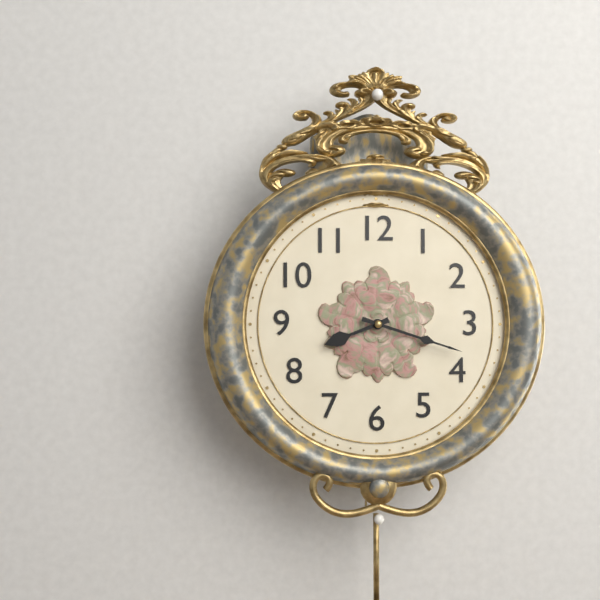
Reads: 8:18
